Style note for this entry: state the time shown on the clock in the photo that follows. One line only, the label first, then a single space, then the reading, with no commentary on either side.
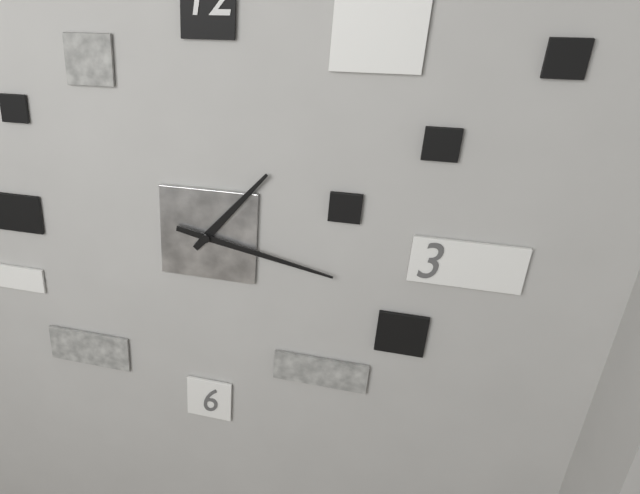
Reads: 1:17
